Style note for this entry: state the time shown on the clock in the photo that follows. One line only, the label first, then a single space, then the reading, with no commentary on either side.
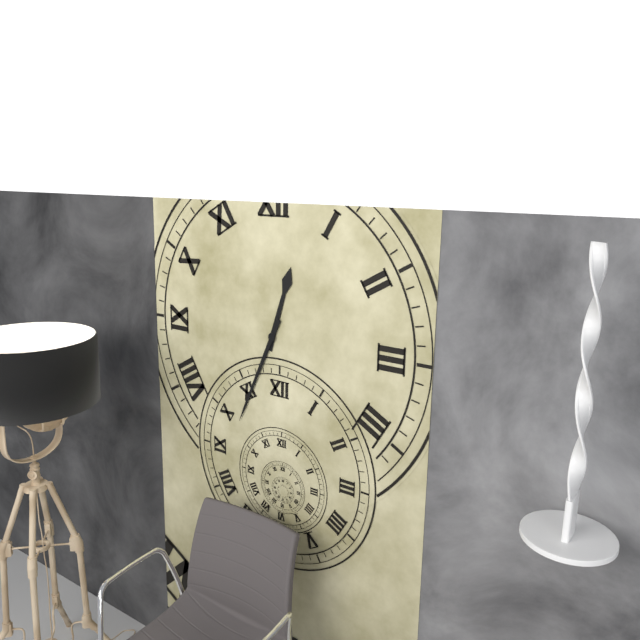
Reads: 12:34
